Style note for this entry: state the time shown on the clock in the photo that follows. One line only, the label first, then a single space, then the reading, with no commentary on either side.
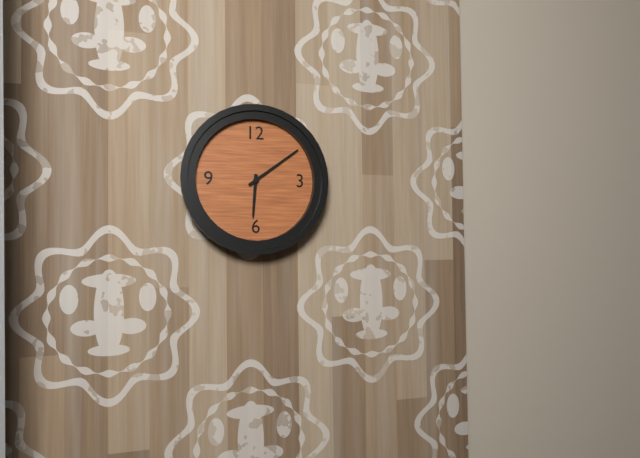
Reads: 6:09
